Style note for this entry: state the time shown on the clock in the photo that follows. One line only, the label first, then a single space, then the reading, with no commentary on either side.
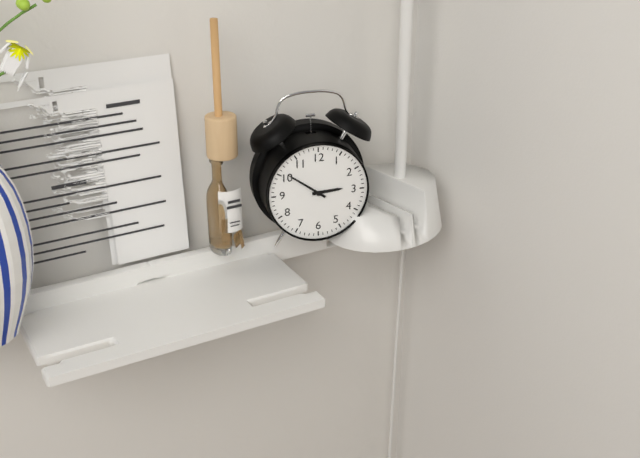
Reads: 2:51
